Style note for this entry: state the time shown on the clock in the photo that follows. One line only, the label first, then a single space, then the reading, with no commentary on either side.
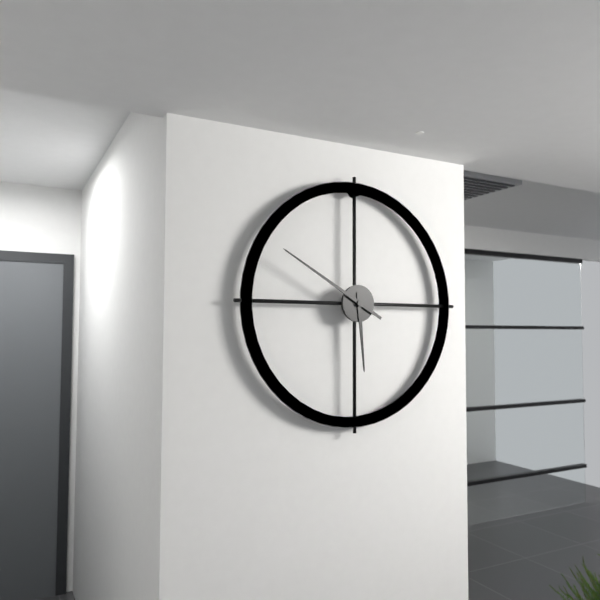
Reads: 5:50
